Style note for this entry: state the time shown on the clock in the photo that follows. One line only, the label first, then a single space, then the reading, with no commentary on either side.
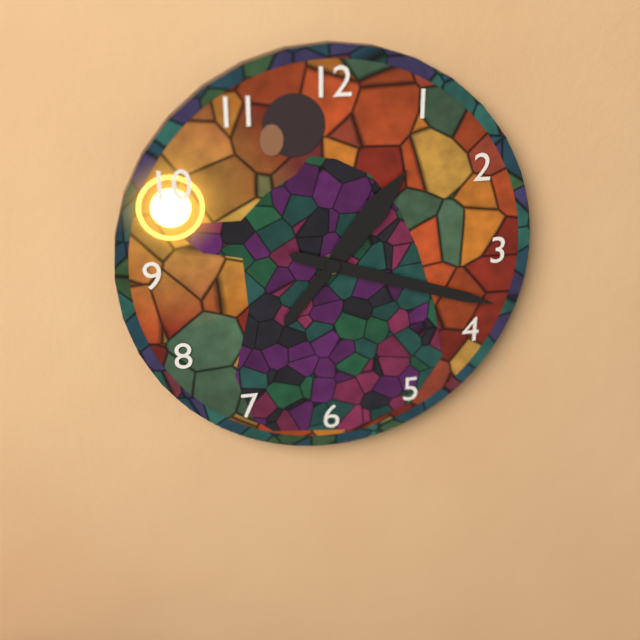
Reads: 1:18
